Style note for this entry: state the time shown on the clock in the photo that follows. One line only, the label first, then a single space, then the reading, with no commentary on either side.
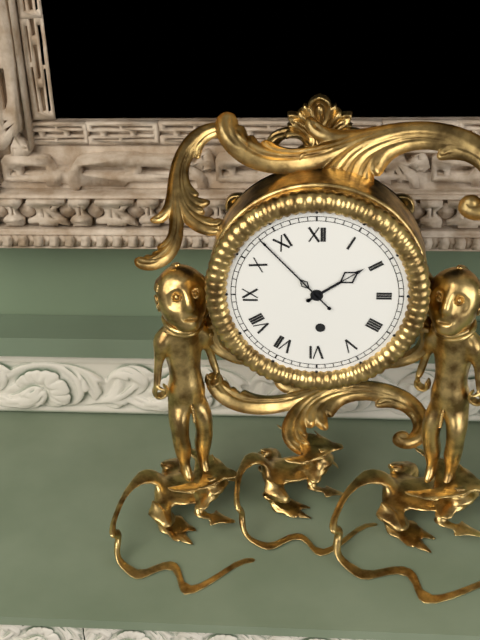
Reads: 1:53
